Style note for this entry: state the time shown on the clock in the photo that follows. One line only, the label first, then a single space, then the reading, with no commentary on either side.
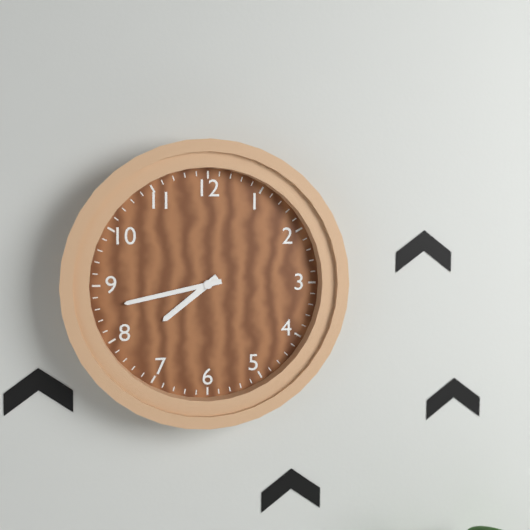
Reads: 7:43
